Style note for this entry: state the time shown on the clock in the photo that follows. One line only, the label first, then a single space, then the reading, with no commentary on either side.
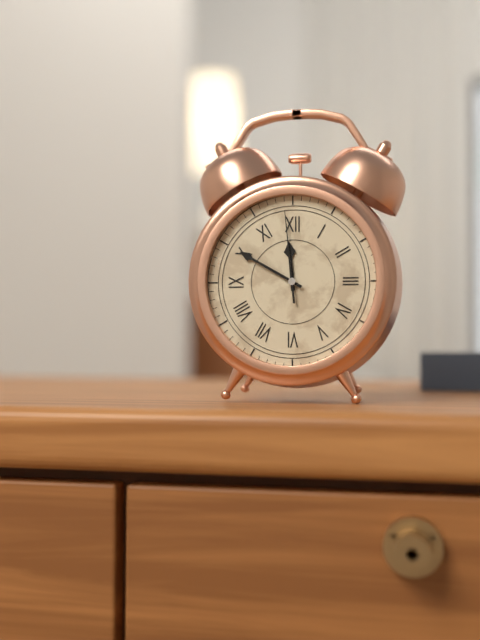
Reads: 11:50:59
